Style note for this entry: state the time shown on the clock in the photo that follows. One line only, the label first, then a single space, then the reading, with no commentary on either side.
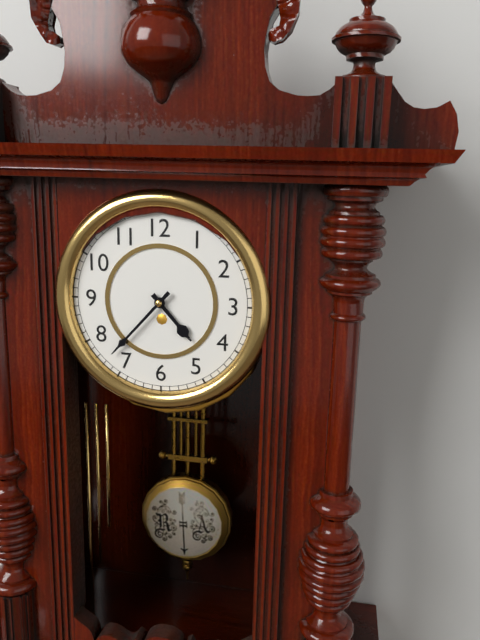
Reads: 4:37
